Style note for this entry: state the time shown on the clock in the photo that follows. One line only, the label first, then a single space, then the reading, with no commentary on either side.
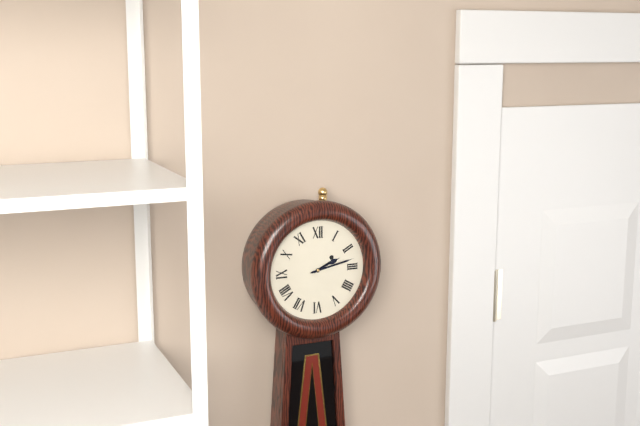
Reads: 2:13
